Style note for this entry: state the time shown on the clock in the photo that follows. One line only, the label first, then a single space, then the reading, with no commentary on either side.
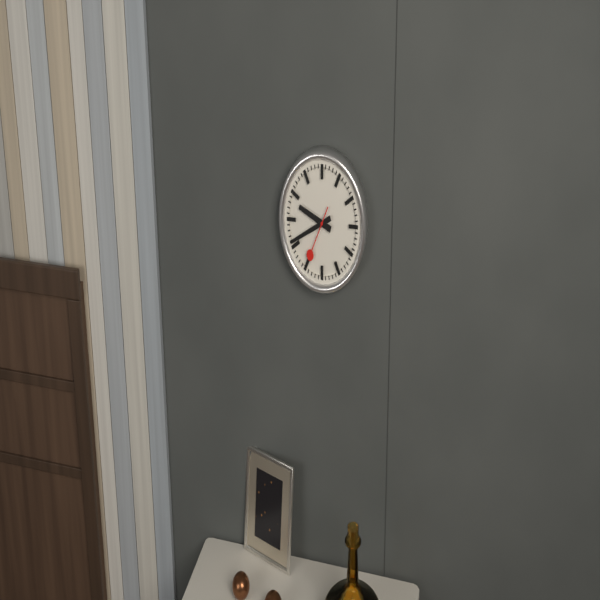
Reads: 9:41:35
